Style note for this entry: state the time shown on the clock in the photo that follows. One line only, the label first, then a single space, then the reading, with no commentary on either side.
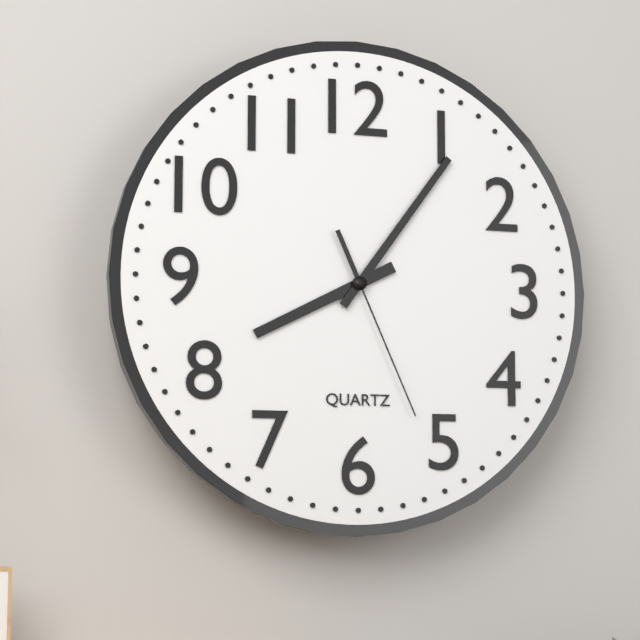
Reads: 8:06:26
